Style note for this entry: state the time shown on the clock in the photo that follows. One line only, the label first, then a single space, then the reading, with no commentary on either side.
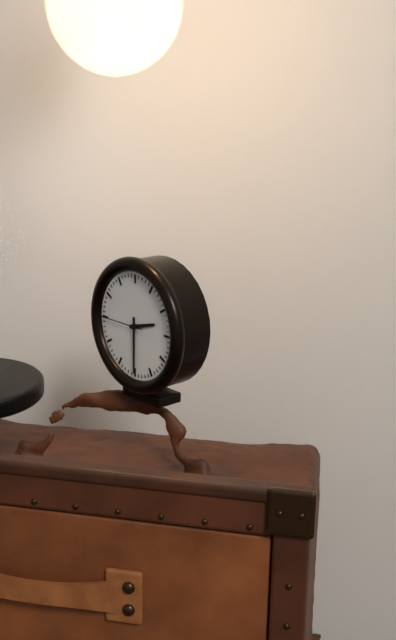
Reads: 2:30
